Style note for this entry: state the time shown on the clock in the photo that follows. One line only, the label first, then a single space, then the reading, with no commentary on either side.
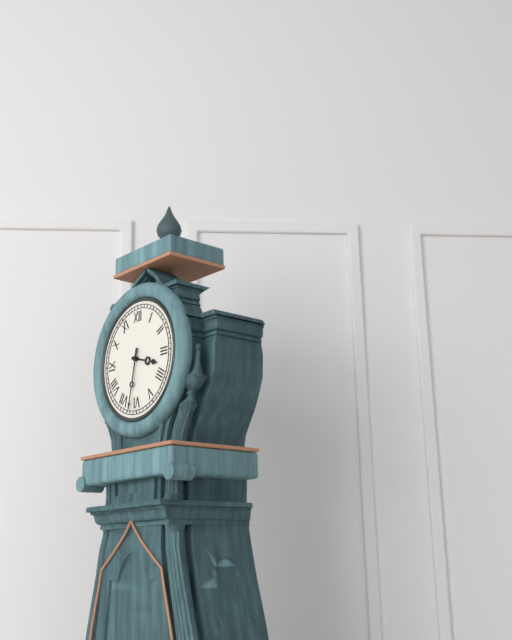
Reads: 3:32
